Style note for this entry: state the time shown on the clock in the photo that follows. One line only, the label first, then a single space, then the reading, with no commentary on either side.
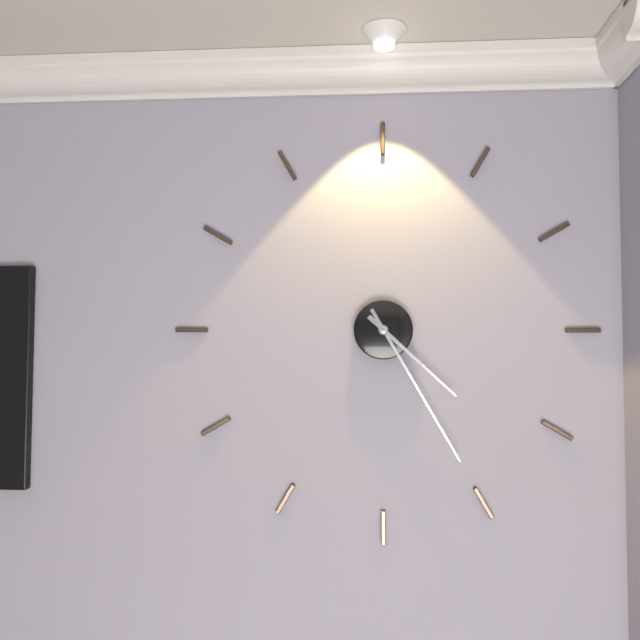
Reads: 4:25
